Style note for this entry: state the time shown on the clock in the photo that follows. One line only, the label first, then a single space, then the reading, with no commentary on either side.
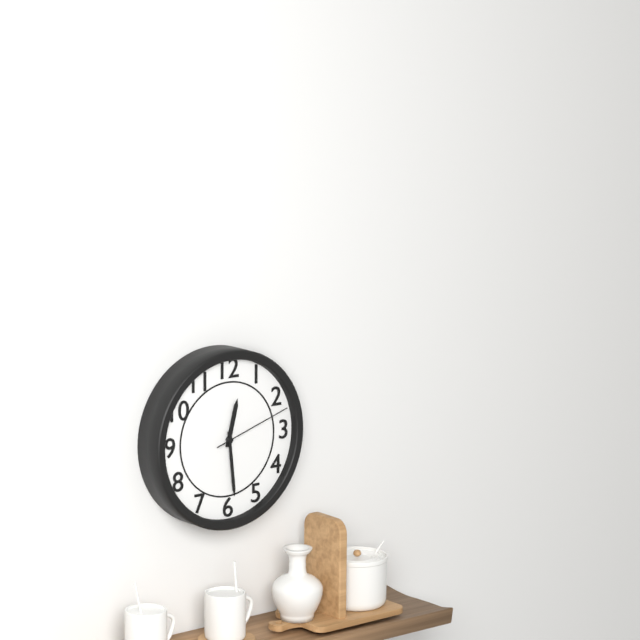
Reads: 12:29:12
